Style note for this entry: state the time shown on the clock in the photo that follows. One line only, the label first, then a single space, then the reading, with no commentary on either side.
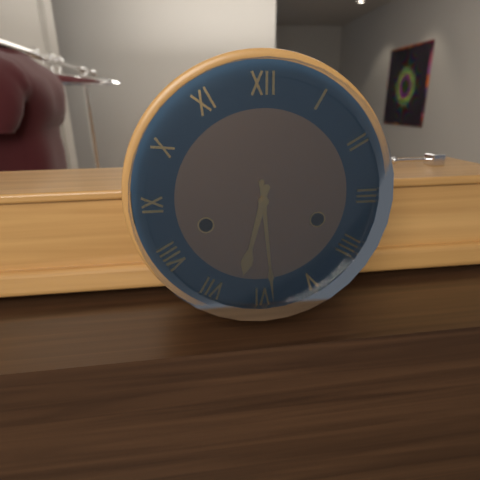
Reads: 6:29
